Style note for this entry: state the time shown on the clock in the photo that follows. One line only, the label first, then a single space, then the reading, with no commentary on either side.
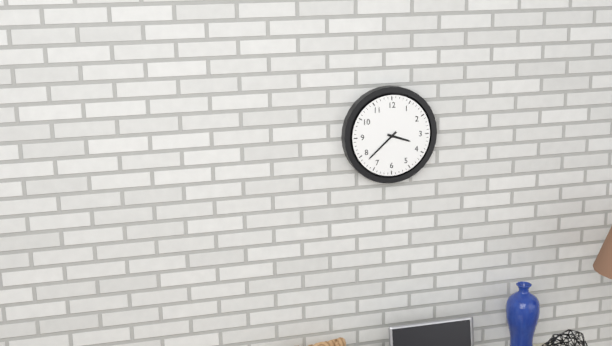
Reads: 3:38
